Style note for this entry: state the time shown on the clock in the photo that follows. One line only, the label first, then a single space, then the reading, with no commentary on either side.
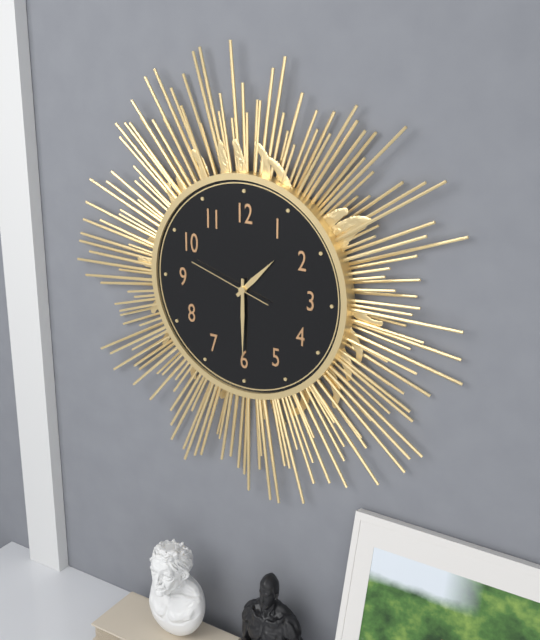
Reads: 1:30:48
